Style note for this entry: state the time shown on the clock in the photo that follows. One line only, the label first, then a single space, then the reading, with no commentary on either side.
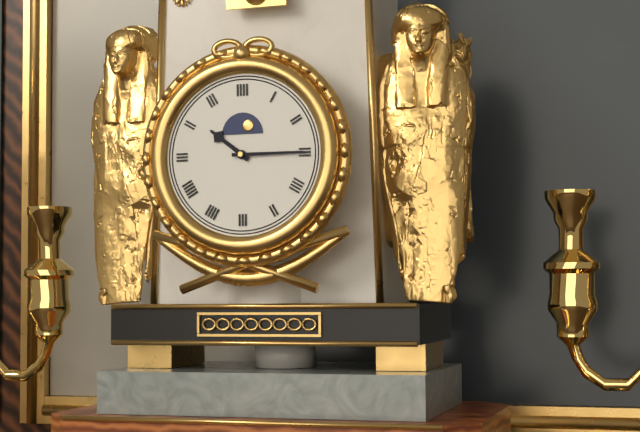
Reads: 10:15
